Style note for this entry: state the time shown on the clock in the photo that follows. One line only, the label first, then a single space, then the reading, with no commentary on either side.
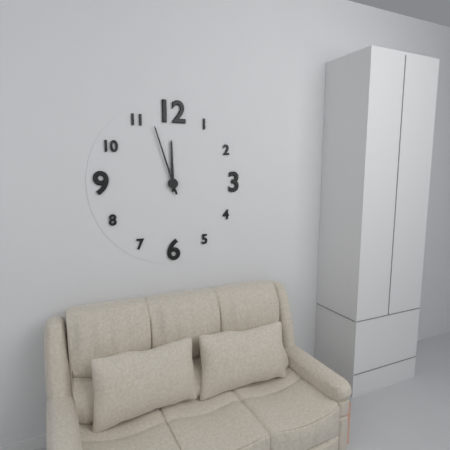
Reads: 11:57
